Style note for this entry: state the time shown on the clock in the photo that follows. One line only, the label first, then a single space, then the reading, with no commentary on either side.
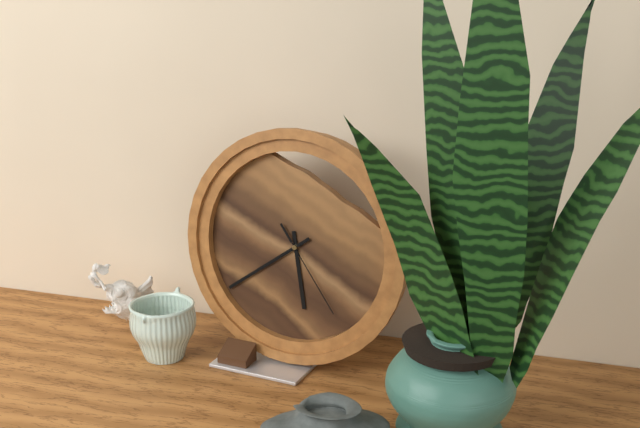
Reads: 5:39:24
